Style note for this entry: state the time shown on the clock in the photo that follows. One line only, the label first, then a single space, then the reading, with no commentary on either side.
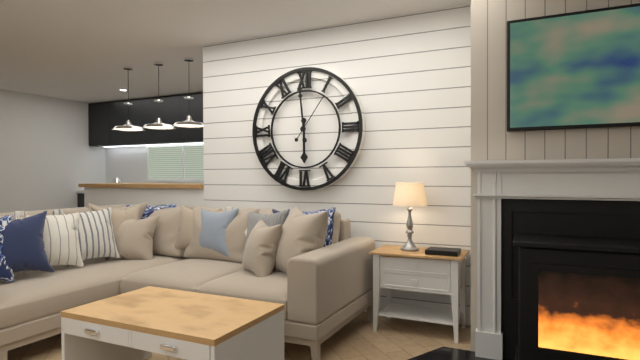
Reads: 5:59
